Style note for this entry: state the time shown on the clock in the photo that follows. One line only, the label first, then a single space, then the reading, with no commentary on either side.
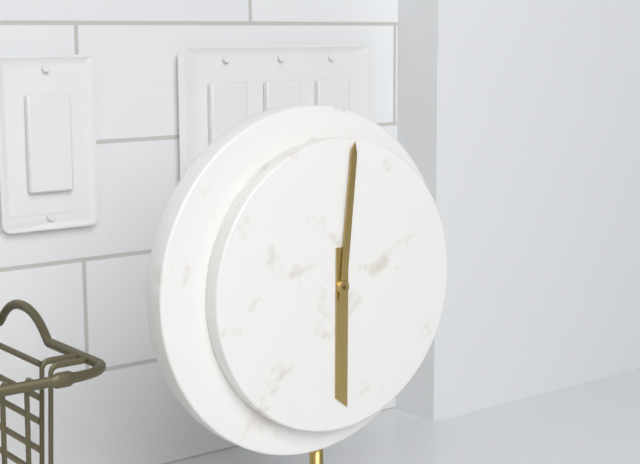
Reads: 6:01
